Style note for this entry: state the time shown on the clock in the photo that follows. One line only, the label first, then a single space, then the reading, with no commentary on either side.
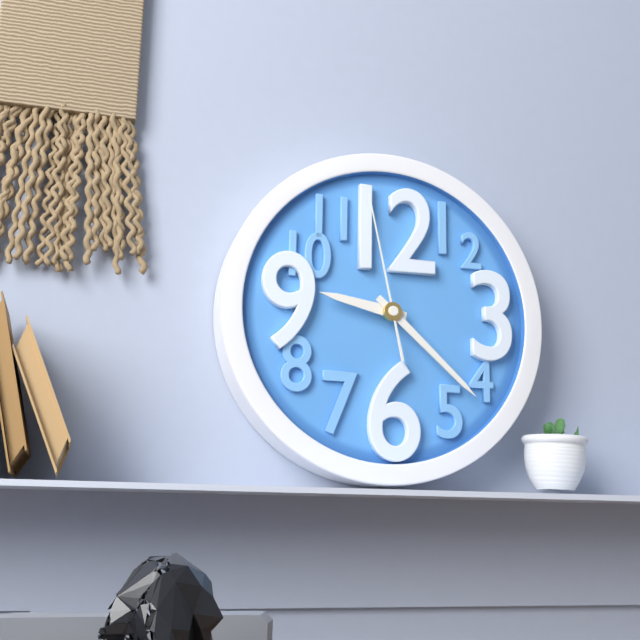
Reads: 9:22:58
